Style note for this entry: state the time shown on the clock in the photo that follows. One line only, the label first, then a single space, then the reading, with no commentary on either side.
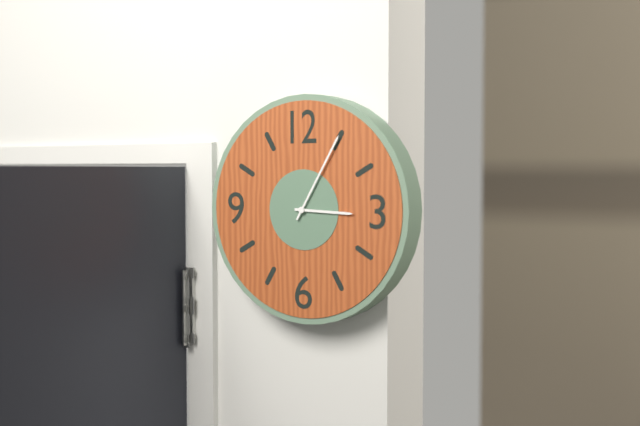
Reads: 3:05
